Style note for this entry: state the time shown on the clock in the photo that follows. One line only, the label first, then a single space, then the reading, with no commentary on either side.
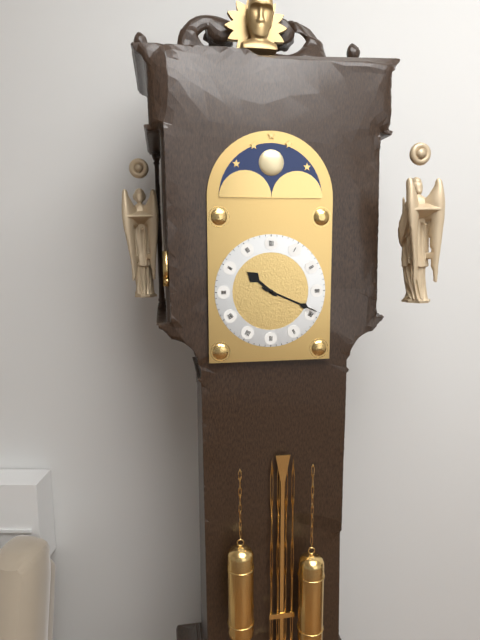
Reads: 10:19
